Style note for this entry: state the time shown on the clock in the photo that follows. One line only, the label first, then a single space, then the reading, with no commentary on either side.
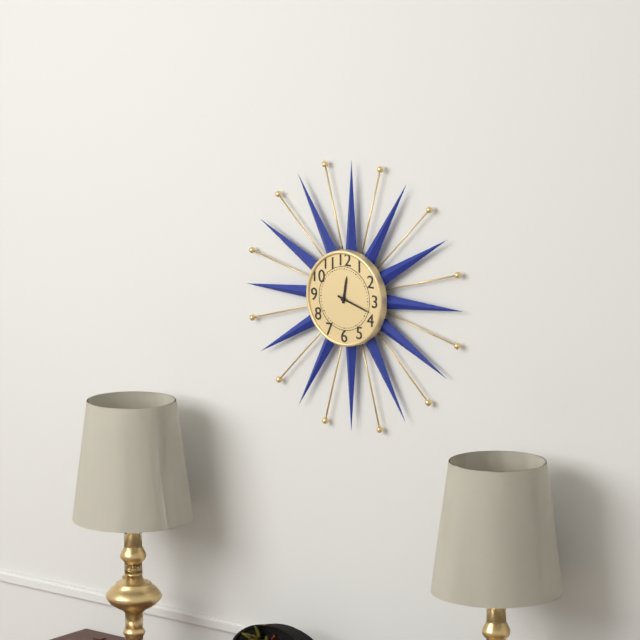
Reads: 12:18
